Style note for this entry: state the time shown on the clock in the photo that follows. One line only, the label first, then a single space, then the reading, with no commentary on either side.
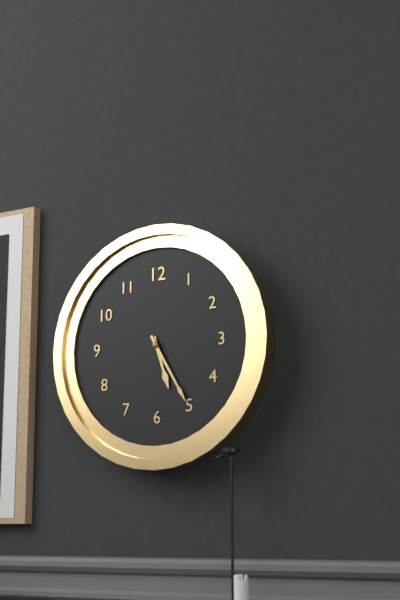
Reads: 5:25
